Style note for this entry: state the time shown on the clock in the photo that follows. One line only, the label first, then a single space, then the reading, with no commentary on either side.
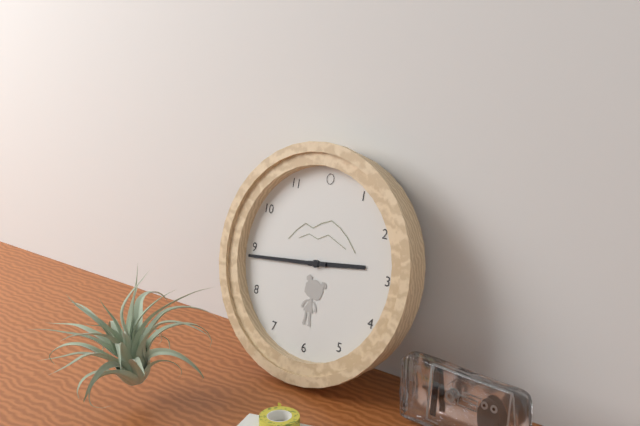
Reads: 2:44
